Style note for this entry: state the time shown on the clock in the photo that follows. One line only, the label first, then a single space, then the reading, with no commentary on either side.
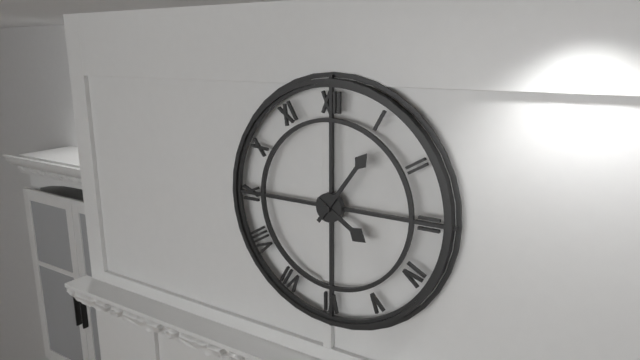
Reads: 4:06
